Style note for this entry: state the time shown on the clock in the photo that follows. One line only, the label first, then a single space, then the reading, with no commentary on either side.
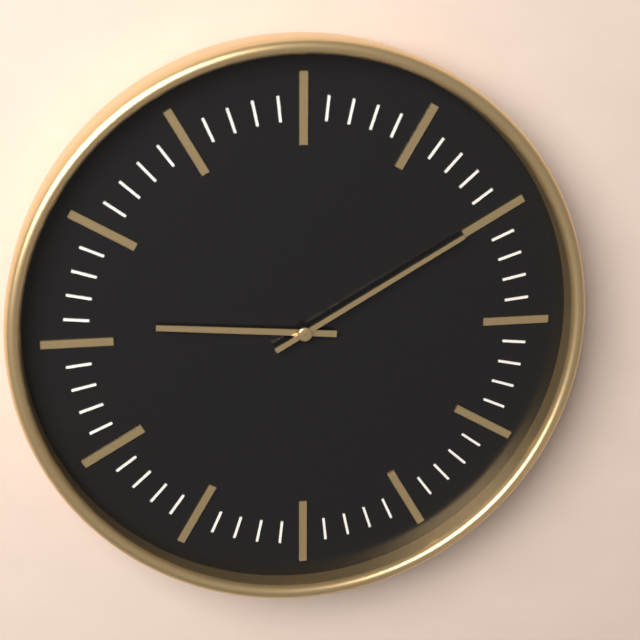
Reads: 9:10
